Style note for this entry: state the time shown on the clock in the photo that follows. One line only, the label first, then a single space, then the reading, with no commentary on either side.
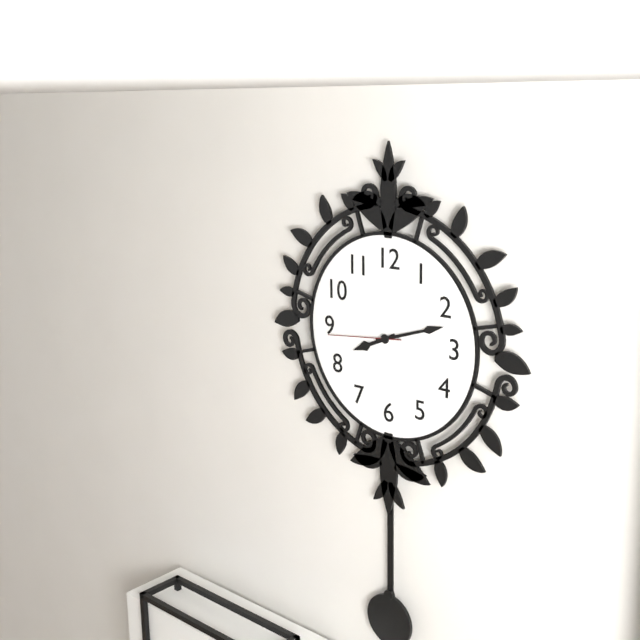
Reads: 8:12:44
